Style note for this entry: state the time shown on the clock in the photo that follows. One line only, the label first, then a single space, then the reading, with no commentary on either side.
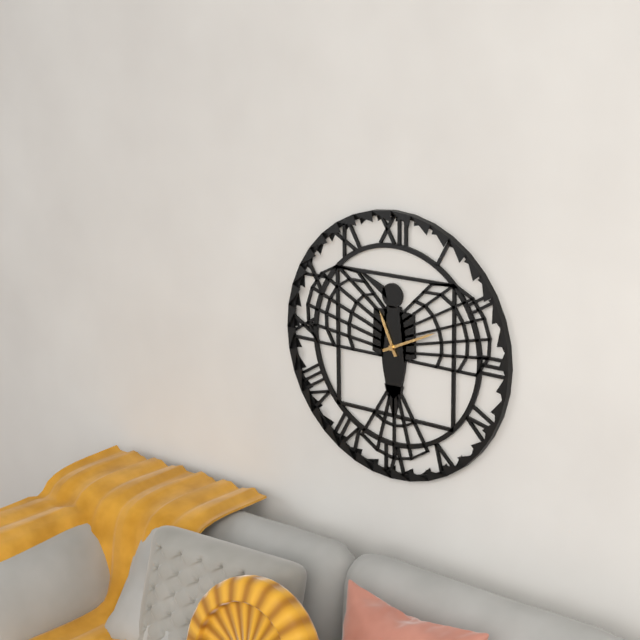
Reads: 11:11
